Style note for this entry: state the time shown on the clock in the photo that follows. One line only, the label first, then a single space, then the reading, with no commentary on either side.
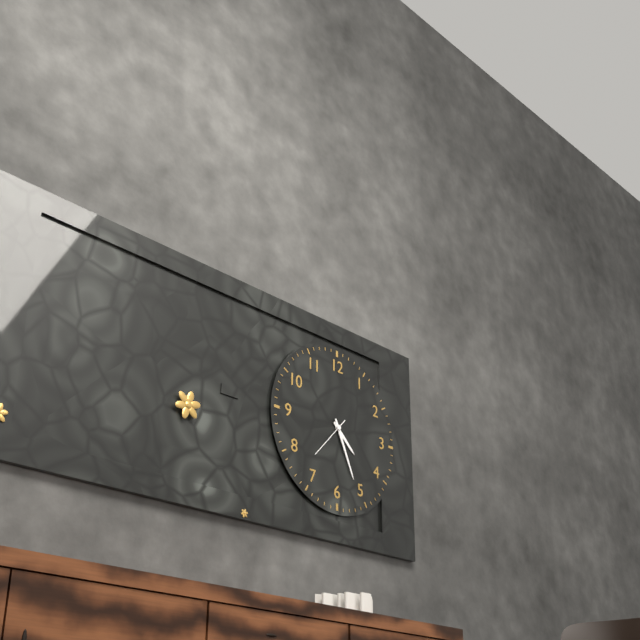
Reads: 4:26
